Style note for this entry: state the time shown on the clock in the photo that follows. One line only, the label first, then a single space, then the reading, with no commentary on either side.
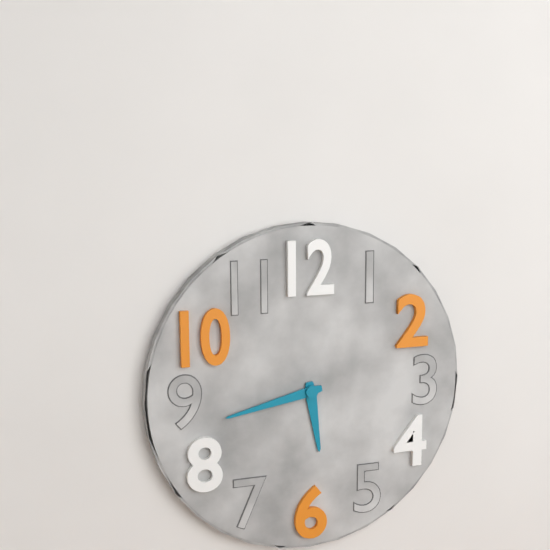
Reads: 5:43
